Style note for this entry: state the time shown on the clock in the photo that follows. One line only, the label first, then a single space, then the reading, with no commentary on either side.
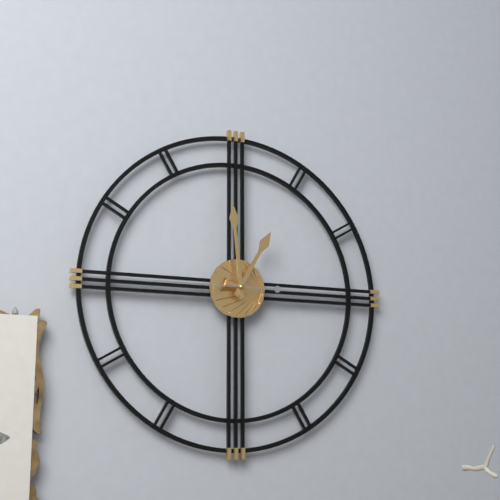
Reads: 12:59:45
